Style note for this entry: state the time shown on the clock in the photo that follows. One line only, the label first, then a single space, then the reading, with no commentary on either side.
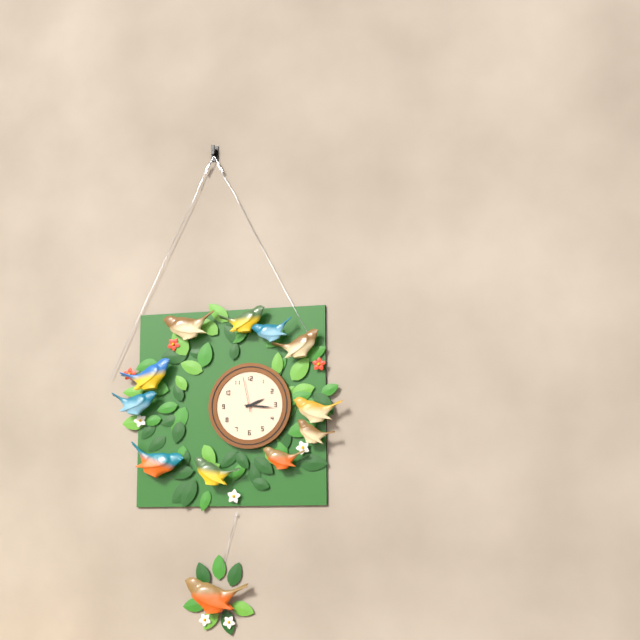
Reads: 2:16
